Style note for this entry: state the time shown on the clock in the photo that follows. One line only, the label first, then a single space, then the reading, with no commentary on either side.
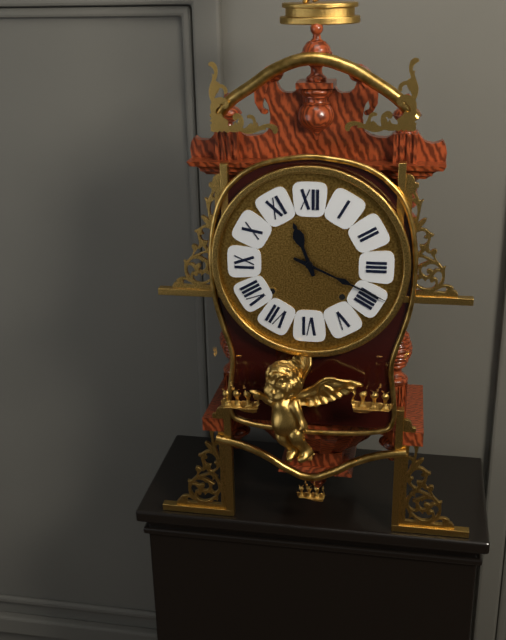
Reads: 11:19
